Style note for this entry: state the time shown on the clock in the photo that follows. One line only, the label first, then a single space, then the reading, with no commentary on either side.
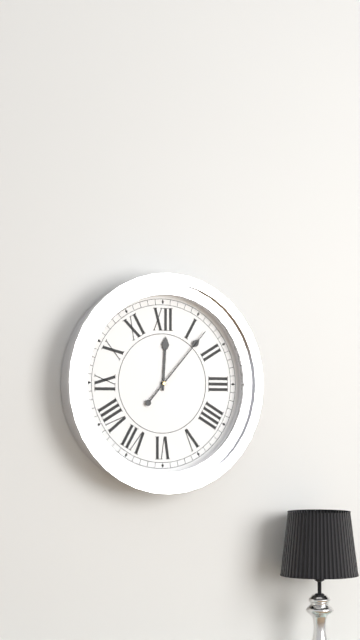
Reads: 12:07
